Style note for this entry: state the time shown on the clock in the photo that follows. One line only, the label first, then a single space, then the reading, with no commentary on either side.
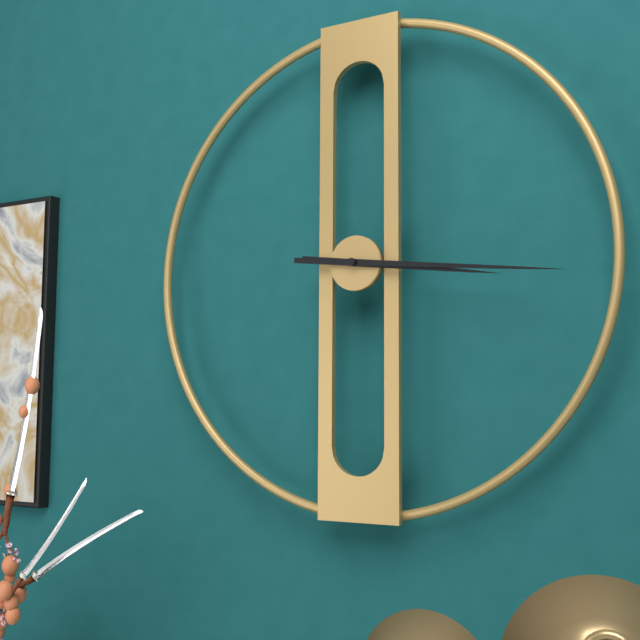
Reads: 3:16
